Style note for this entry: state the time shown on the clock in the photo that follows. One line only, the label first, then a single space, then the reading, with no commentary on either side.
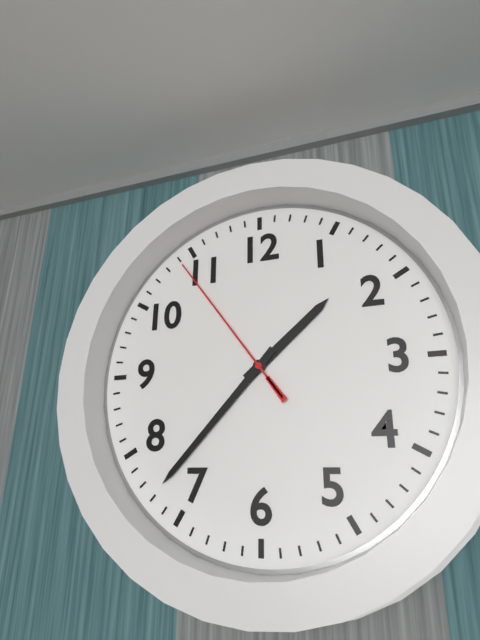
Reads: 1:37:54
